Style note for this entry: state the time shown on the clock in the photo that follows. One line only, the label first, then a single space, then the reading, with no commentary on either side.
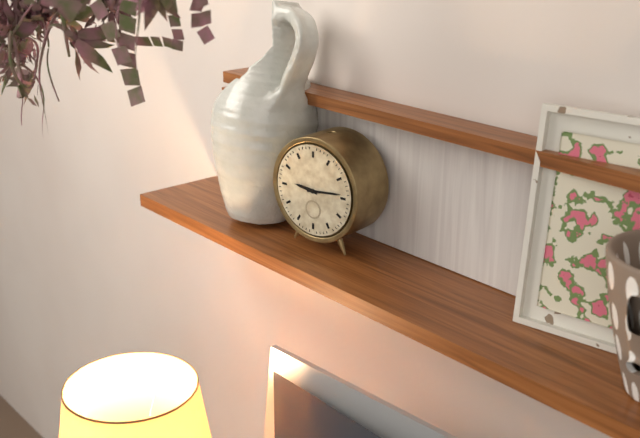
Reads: 9:14
